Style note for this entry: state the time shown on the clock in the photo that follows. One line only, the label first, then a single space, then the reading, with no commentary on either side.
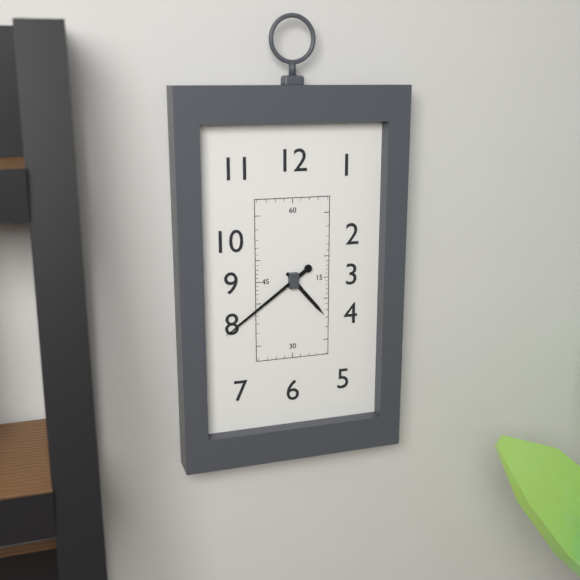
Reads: 4:39
